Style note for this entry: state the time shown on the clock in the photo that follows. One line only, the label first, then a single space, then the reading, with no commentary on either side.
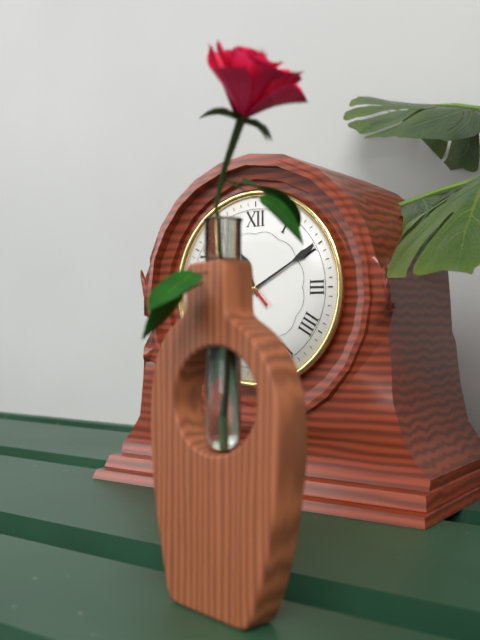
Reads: 11:10:53
